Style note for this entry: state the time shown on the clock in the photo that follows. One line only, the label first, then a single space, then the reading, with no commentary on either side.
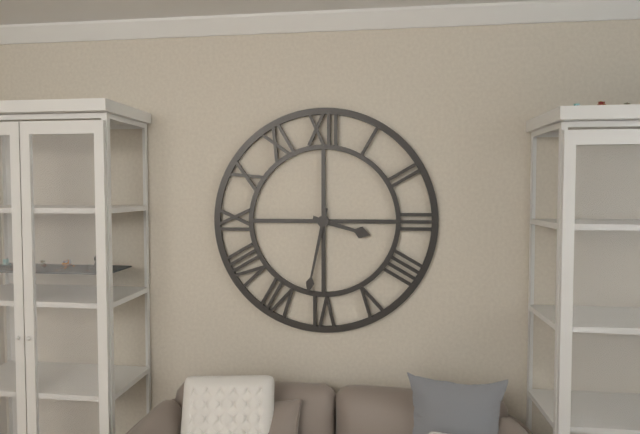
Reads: 3:32
